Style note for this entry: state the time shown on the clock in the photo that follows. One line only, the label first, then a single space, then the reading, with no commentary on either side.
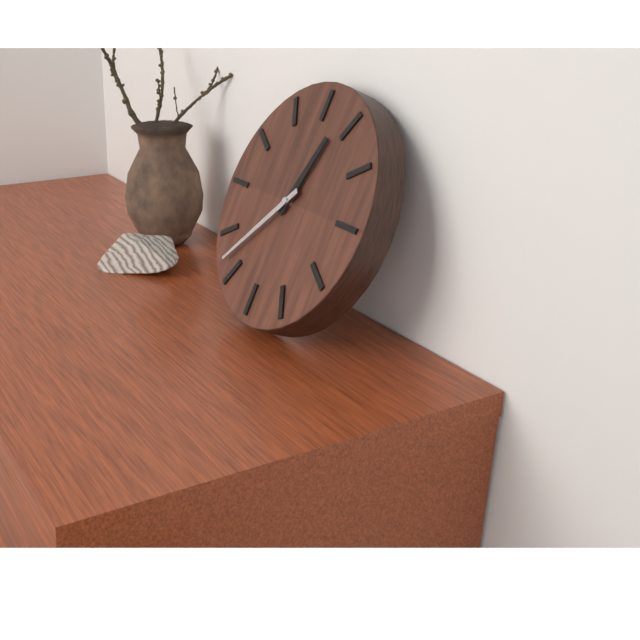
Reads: 12:37
